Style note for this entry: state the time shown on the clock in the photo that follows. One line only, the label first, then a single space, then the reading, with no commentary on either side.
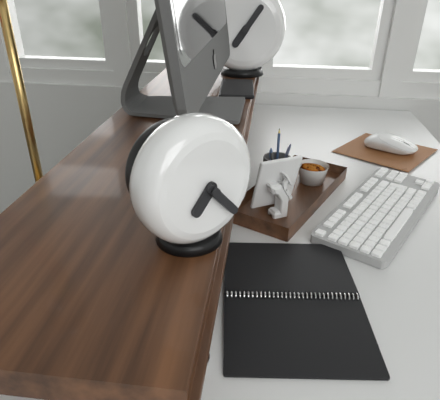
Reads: 7:23
